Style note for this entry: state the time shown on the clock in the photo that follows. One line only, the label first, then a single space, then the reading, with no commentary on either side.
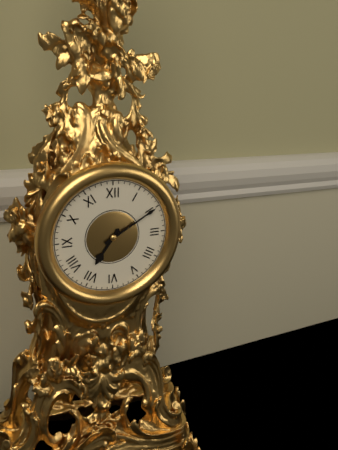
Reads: 7:10
